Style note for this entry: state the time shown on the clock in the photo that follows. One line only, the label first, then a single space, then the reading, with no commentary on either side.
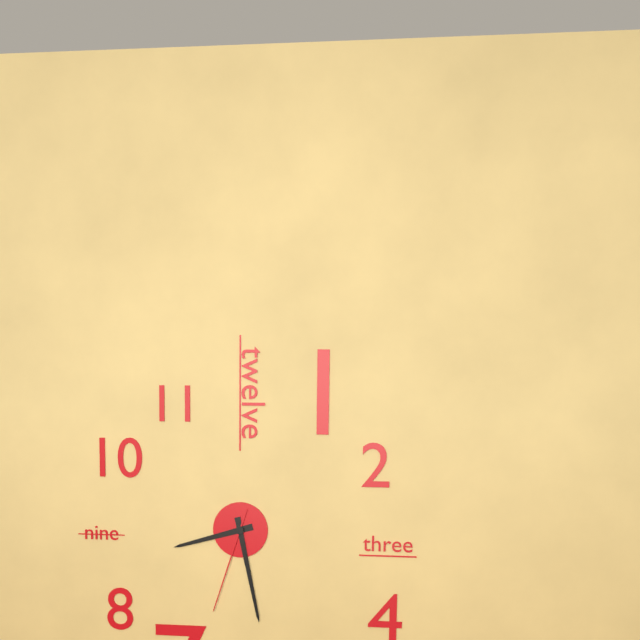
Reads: 8:28:33
